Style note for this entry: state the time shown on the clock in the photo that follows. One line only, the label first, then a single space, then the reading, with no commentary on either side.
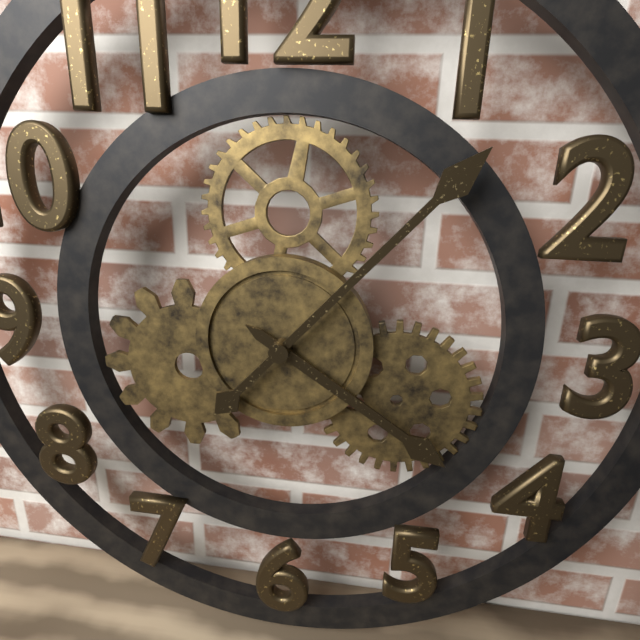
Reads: 4:07
